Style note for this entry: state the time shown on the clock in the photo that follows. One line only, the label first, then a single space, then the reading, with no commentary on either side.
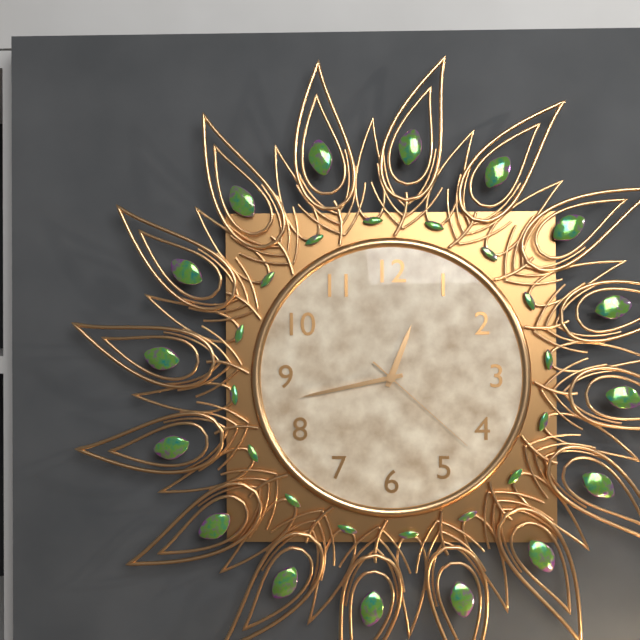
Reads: 12:43:22
